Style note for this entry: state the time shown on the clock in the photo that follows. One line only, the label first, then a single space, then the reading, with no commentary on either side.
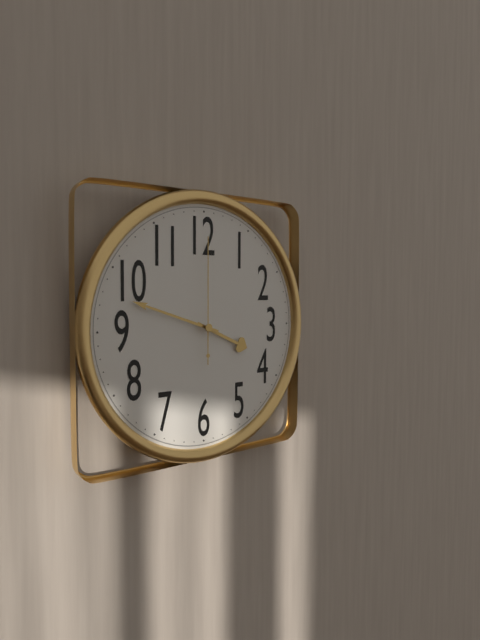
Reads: 3:48:00
